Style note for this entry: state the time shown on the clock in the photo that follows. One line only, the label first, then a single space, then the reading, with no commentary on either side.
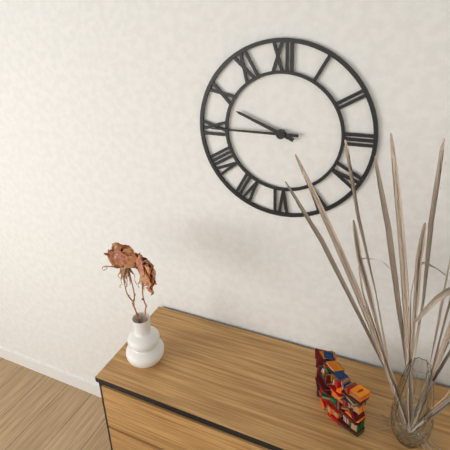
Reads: 9:45
